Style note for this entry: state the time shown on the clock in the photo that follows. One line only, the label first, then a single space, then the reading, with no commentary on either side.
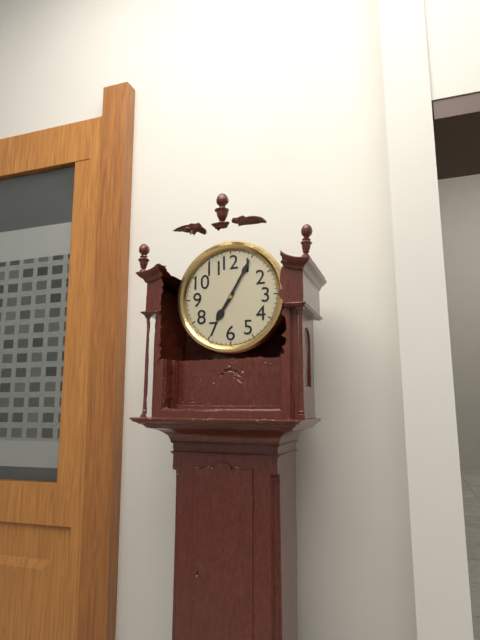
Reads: 7:05
